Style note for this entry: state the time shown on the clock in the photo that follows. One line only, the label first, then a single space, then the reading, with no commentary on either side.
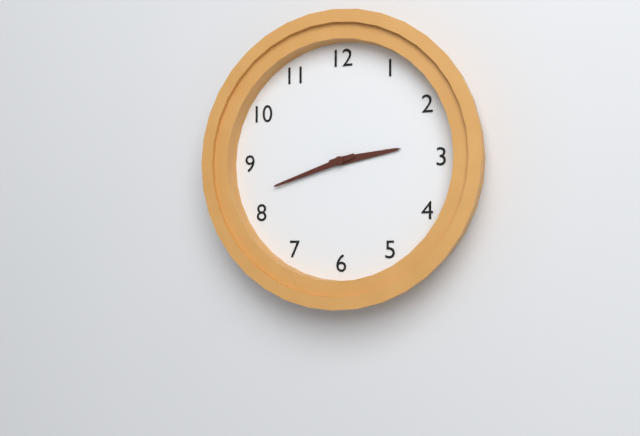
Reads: 2:42
